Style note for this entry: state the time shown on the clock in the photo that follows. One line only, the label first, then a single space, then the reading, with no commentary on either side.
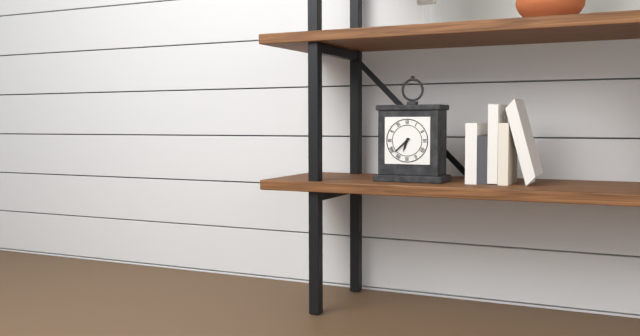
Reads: 6:38
